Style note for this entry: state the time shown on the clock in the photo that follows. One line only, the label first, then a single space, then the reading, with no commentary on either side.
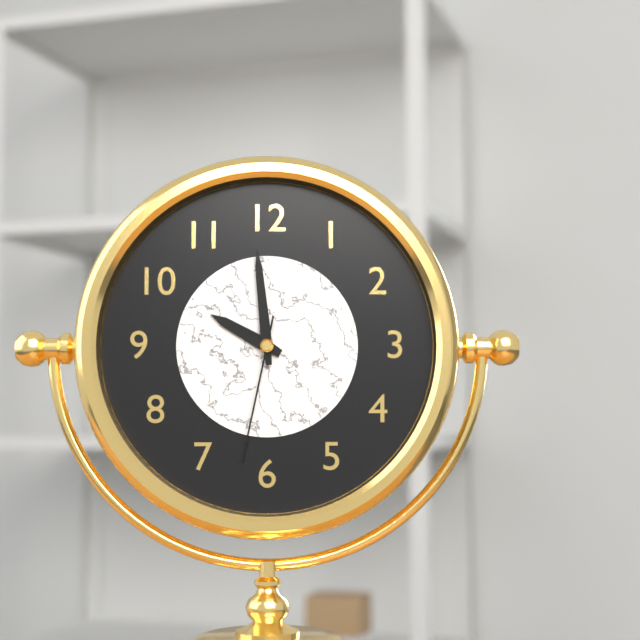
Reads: 9:59:32
